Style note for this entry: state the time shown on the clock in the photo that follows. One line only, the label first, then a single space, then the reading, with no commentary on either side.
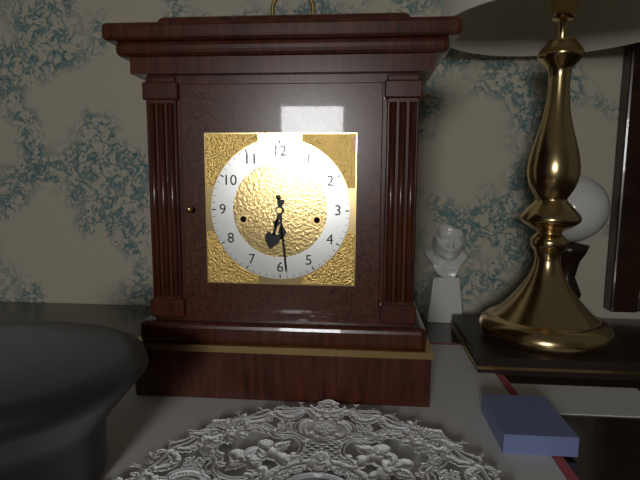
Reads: 6:29
